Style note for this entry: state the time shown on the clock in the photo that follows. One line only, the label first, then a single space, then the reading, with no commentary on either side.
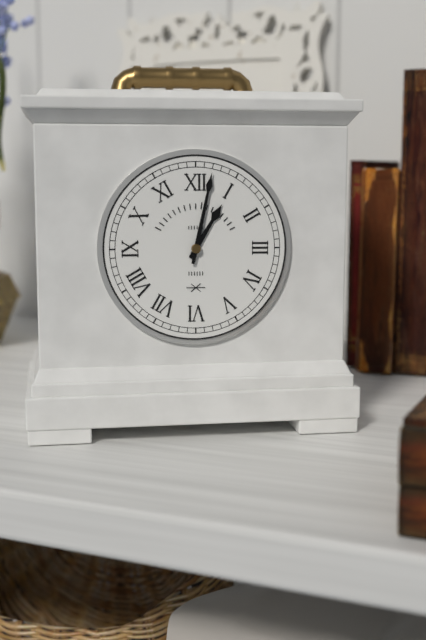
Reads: 1:02
